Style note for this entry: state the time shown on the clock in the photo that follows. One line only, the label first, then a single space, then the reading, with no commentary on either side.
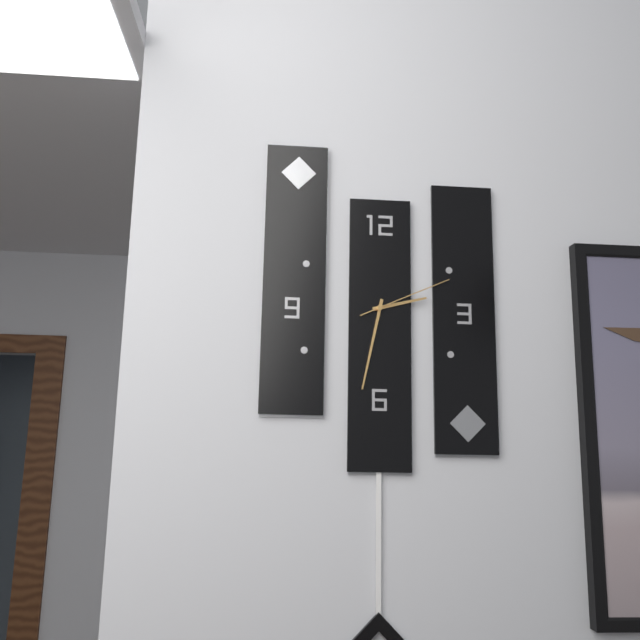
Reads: 2:32:11
